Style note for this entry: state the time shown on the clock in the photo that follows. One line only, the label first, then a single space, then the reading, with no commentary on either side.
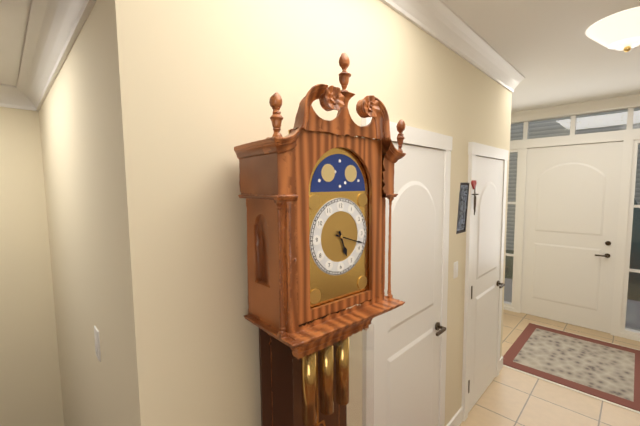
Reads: 5:18
